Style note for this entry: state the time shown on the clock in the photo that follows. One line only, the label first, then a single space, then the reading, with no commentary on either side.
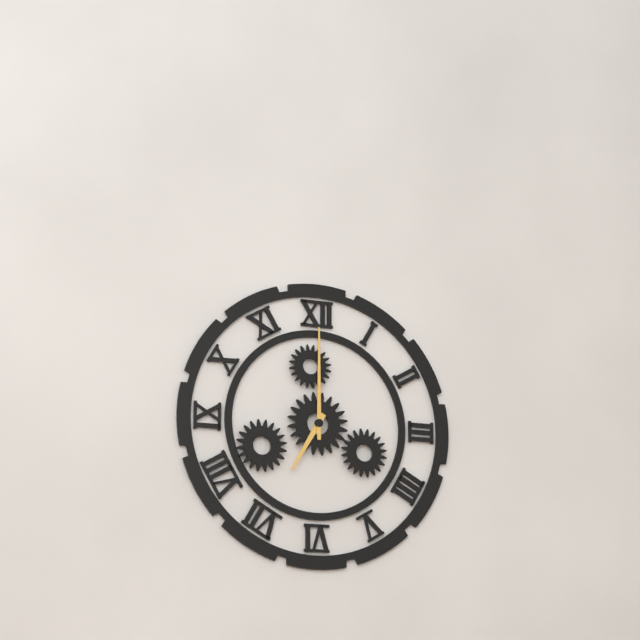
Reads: 7:00
